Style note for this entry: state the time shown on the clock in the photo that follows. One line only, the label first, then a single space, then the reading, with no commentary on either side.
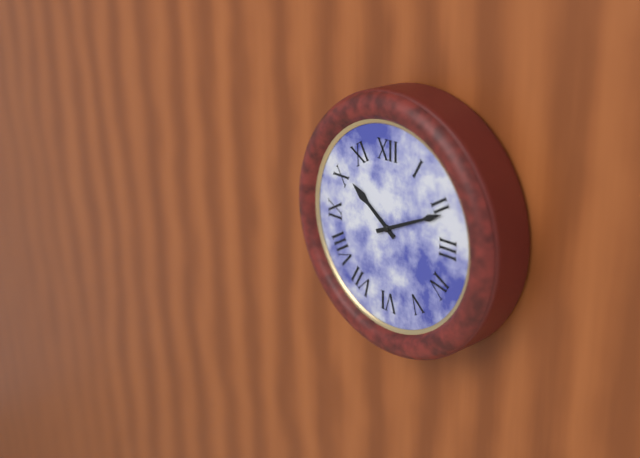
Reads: 10:11
